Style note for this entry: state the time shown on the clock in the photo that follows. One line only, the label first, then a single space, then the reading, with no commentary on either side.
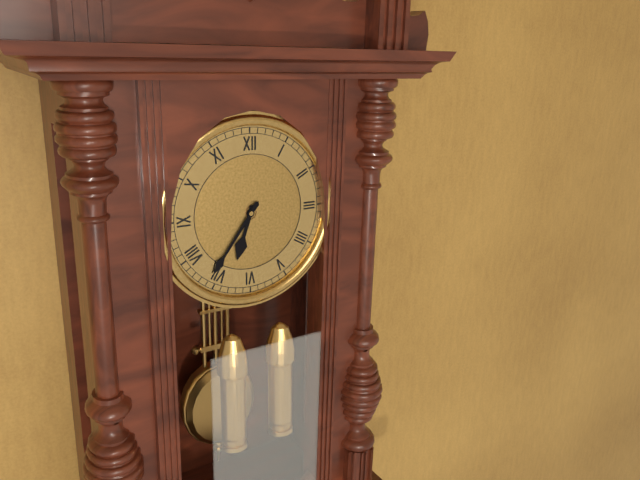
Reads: 6:36
